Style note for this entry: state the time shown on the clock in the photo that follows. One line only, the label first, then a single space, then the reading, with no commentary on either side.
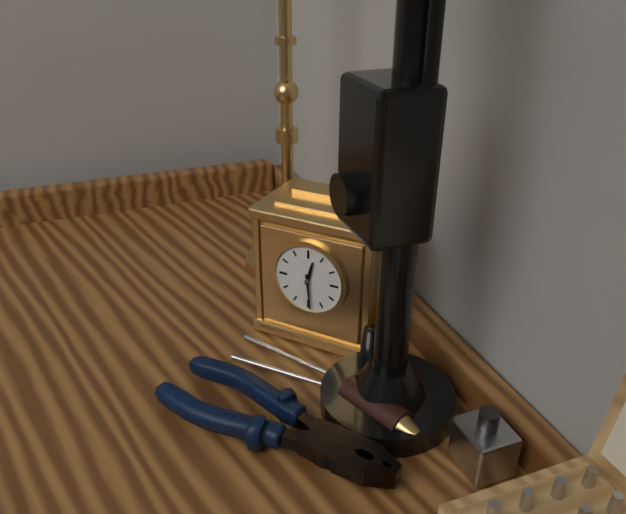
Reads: 12:29
